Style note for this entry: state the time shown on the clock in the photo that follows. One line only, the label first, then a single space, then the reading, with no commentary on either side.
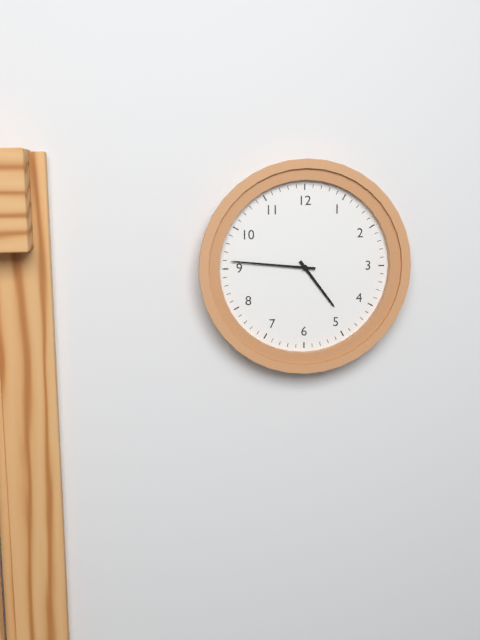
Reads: 4:46
